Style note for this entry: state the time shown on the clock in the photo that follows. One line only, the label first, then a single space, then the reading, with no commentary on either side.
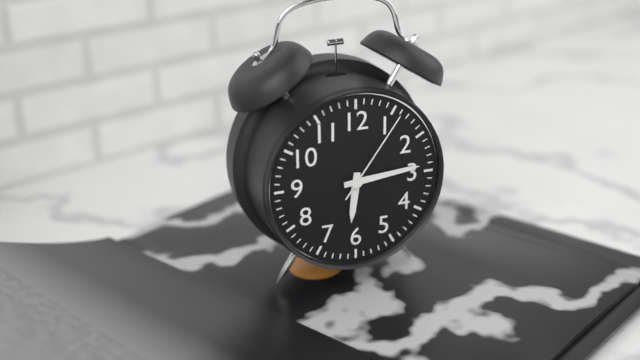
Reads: 6:14:06
